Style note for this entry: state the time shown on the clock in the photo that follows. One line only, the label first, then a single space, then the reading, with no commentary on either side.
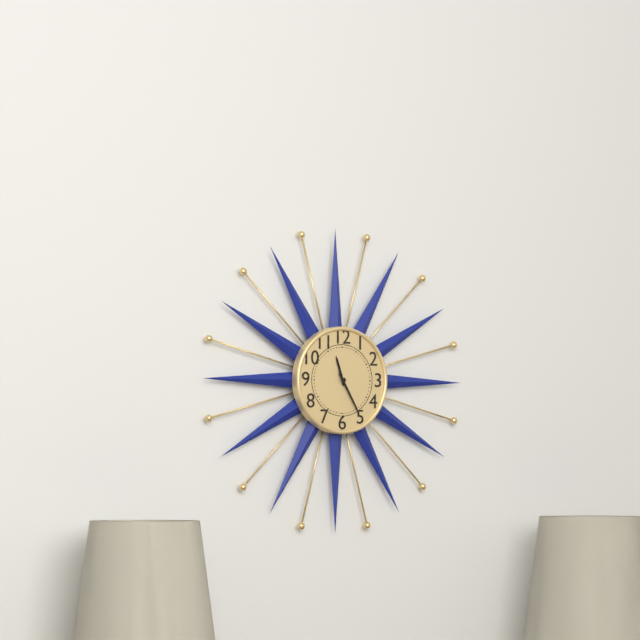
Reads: 11:25
